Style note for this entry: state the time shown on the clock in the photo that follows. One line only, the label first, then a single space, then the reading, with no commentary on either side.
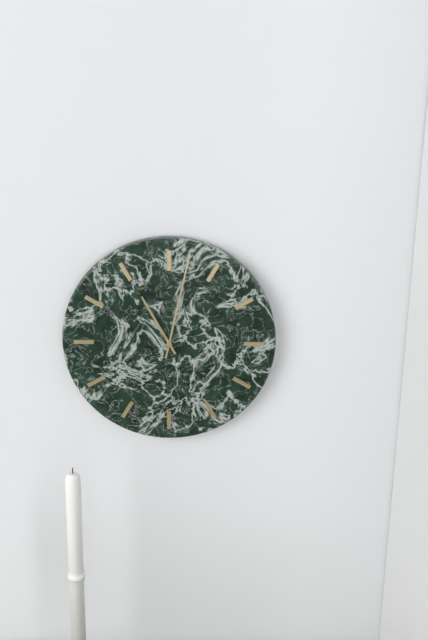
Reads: 11:02
